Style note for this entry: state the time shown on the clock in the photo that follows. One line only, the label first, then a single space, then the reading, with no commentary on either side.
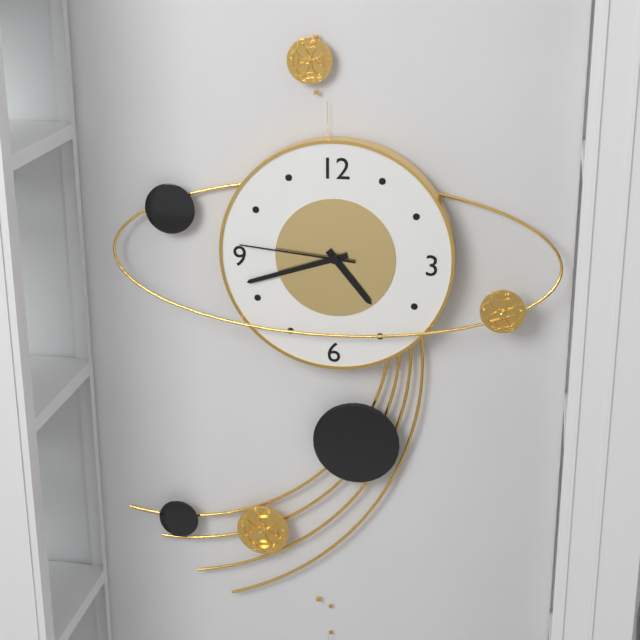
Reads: 4:42:46
